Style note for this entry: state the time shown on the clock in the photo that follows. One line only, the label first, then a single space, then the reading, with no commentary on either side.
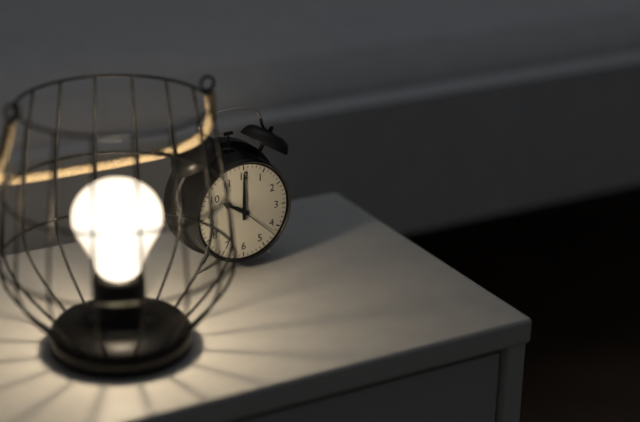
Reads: 10:00
